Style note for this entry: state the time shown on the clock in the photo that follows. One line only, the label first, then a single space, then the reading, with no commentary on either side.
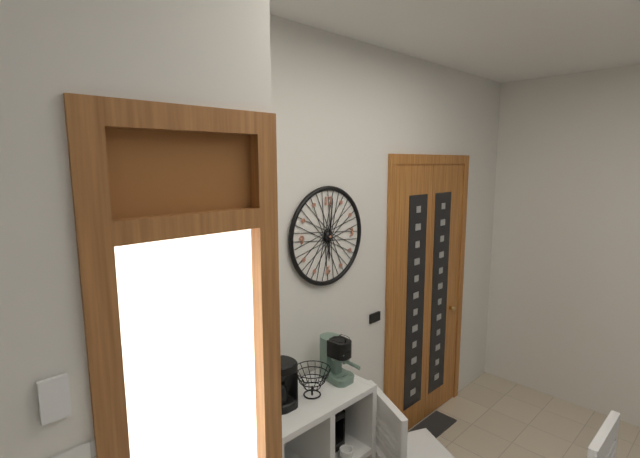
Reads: 6:01
